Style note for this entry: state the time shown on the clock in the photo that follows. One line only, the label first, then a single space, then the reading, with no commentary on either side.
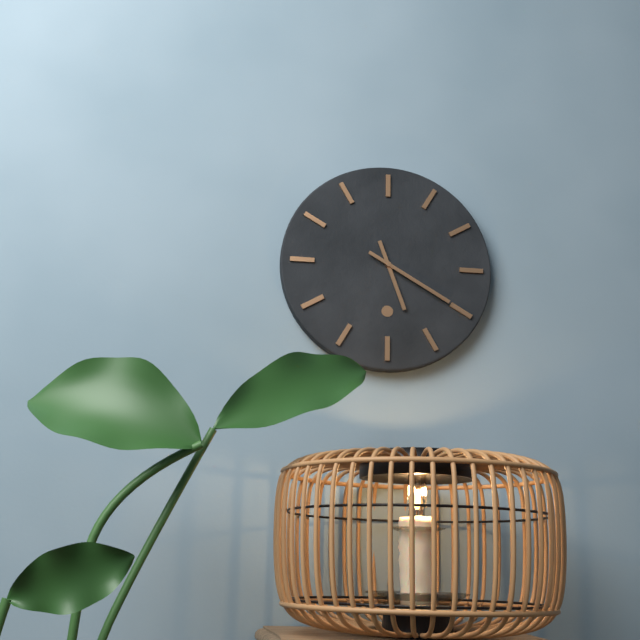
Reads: 5:20
